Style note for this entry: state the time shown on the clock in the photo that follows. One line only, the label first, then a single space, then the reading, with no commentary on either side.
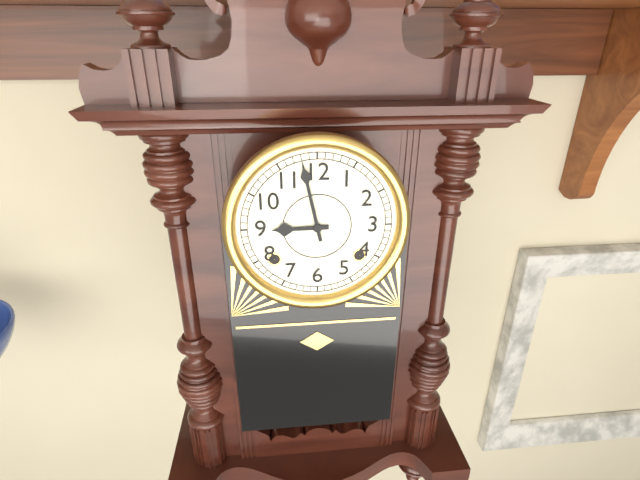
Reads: 8:58
